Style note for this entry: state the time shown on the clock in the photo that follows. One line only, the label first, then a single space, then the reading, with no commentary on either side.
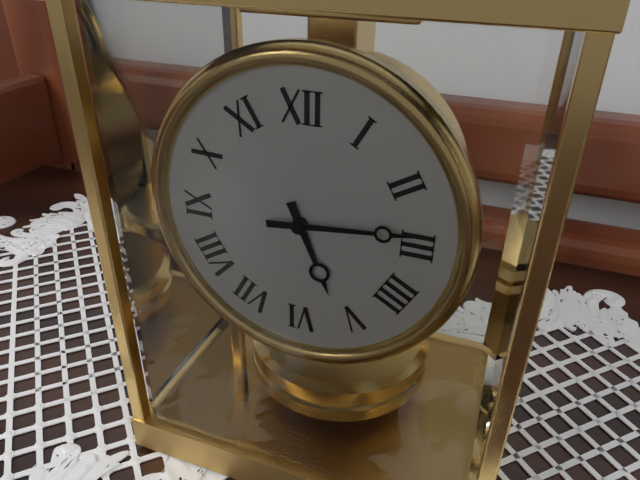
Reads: 5:14
